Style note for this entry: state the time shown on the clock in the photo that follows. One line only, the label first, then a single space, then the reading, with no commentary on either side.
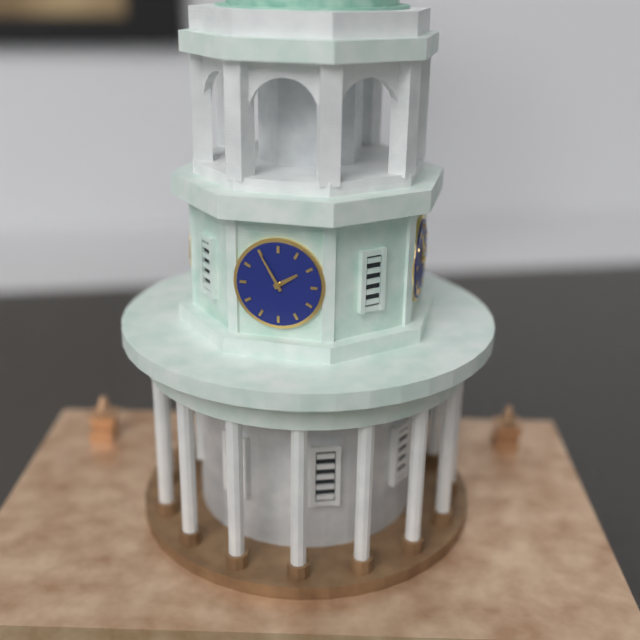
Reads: 1:55
